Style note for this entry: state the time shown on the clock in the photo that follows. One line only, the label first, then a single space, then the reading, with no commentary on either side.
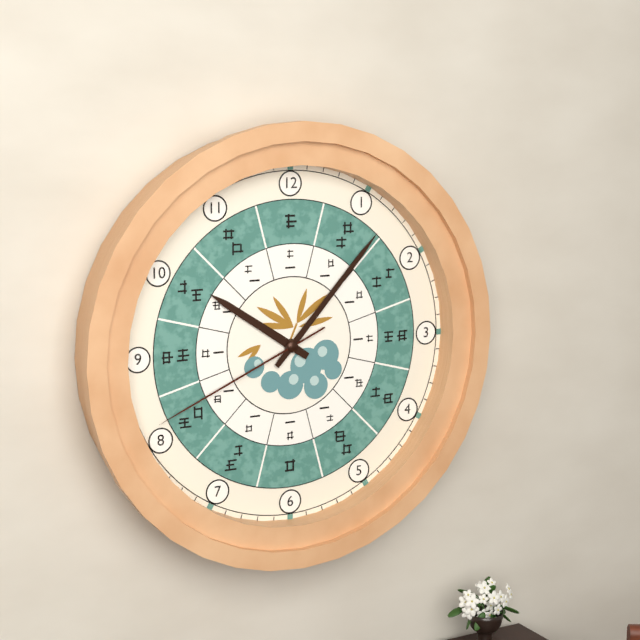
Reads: 10:07:41
